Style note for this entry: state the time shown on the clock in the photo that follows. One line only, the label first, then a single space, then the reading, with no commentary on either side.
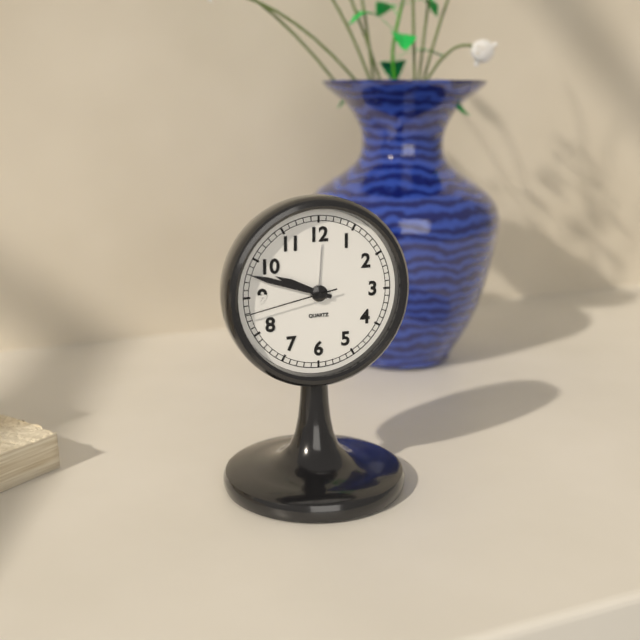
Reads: 9:48:43
